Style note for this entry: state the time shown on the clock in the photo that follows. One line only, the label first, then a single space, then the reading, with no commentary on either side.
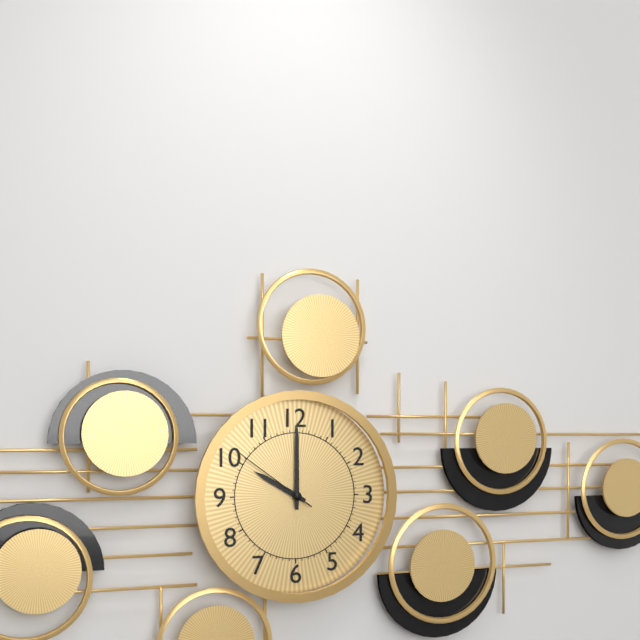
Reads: 10:00:51
